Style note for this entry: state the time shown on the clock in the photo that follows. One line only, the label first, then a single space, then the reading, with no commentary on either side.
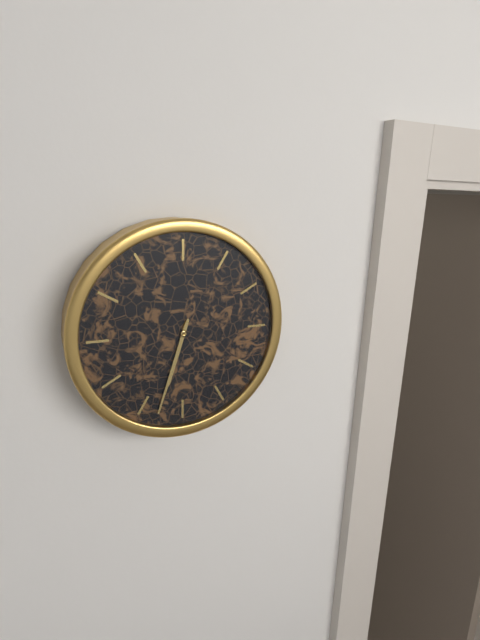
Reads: 6:33
